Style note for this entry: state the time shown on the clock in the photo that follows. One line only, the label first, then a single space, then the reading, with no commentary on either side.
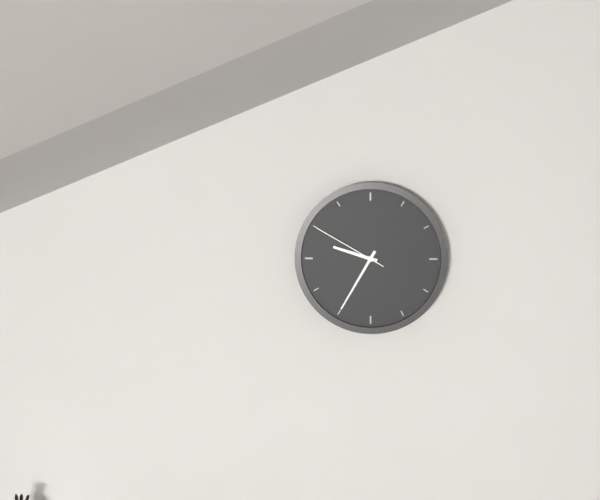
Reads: 9:35:50
